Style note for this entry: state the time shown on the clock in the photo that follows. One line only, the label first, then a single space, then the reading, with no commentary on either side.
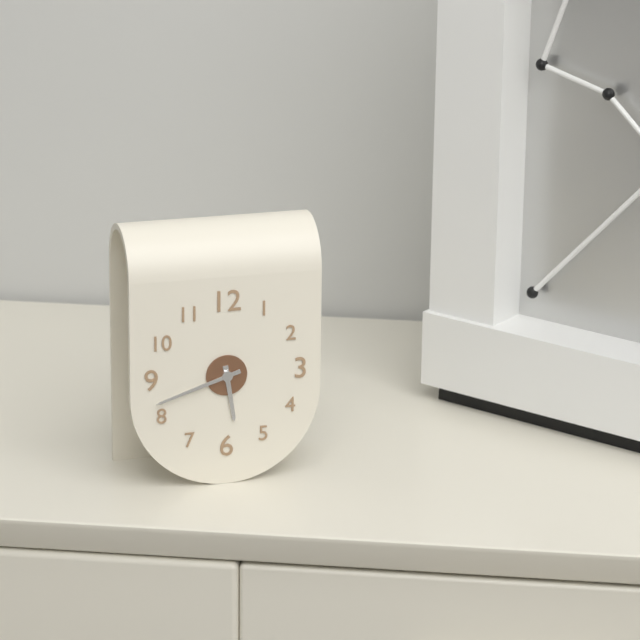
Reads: 5:42
